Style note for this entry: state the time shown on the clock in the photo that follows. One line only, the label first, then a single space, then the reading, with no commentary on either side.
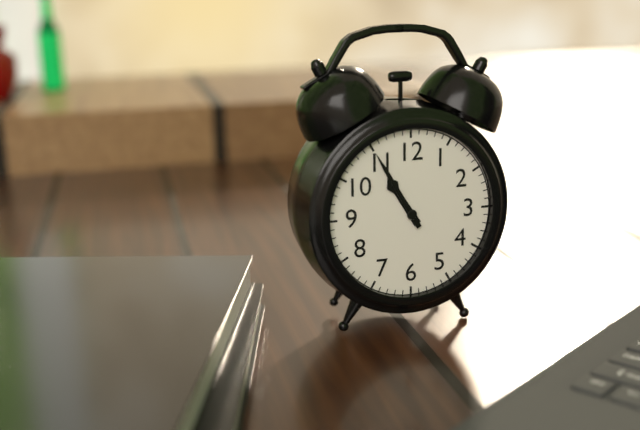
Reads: 10:55
